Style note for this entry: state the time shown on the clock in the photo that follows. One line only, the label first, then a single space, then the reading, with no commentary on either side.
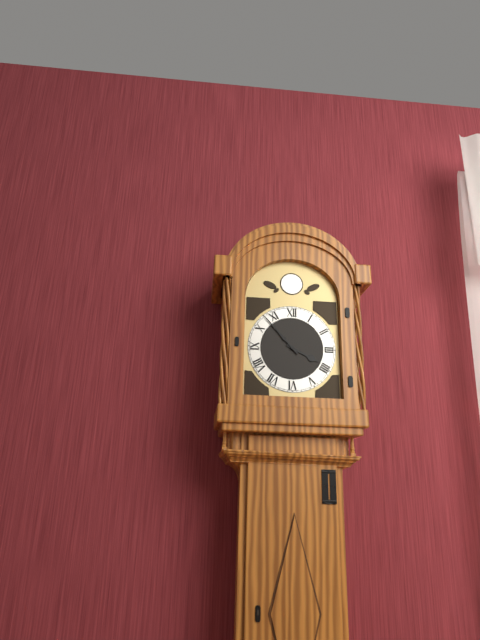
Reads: 3:53
